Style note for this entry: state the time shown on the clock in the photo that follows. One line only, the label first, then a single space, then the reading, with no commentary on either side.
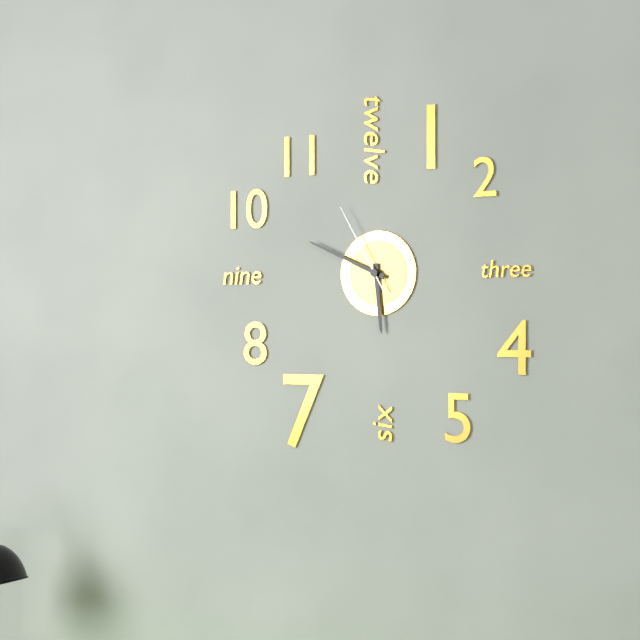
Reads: 5:49:55
